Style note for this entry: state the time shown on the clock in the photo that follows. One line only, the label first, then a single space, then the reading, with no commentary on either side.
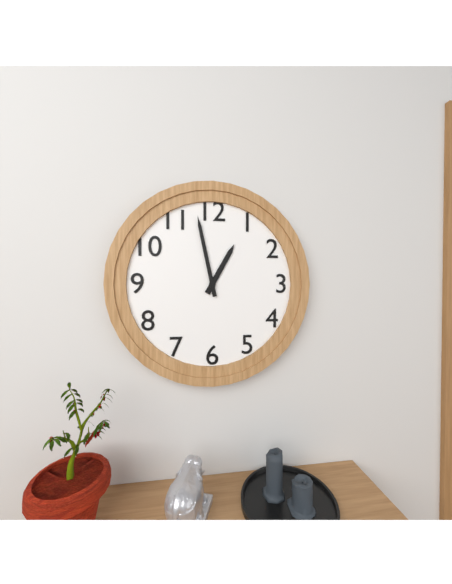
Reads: 12:58
